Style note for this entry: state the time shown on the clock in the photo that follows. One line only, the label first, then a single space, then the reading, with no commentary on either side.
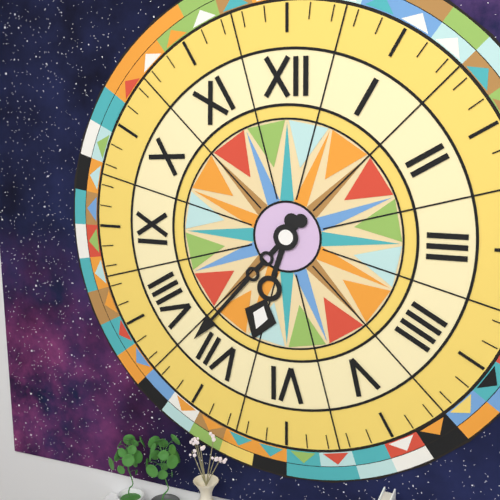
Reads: 6:37
